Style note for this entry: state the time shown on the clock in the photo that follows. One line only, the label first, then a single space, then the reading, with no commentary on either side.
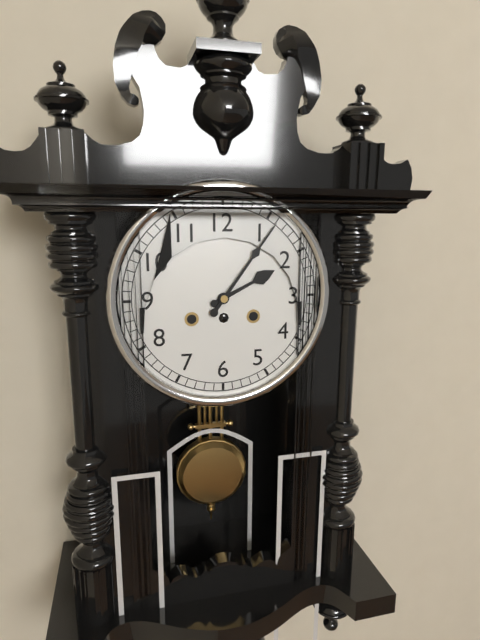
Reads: 2:06
